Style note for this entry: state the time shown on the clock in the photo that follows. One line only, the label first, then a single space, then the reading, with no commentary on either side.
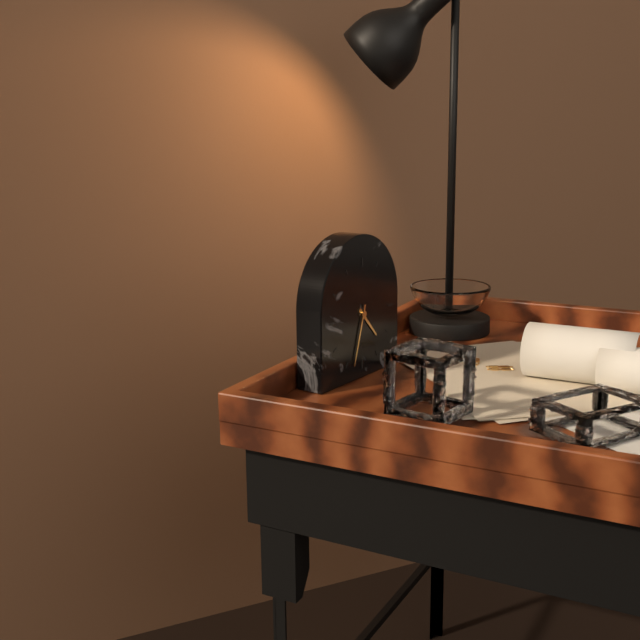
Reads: 4:33
